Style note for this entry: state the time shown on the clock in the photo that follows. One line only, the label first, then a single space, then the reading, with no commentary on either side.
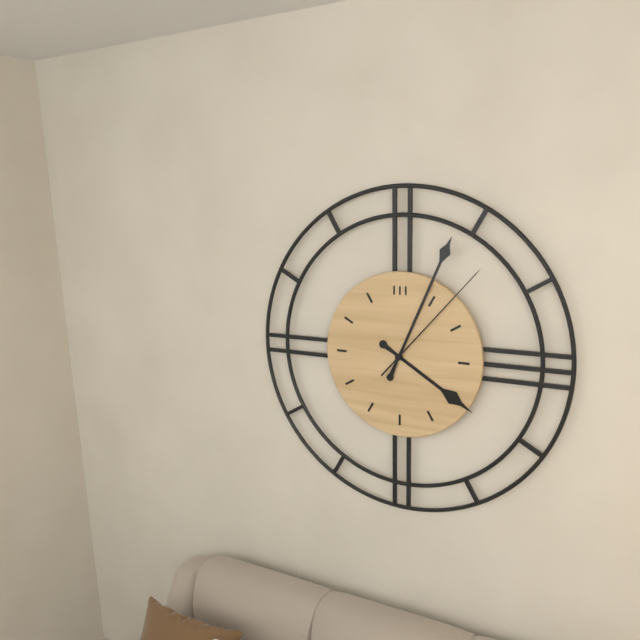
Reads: 4:04:07
